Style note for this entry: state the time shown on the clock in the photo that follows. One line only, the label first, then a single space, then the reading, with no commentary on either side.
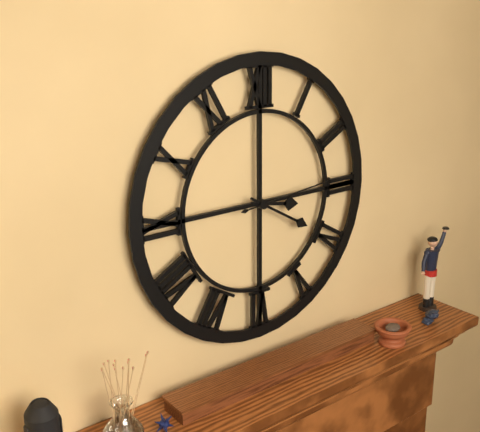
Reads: 3:20:14
